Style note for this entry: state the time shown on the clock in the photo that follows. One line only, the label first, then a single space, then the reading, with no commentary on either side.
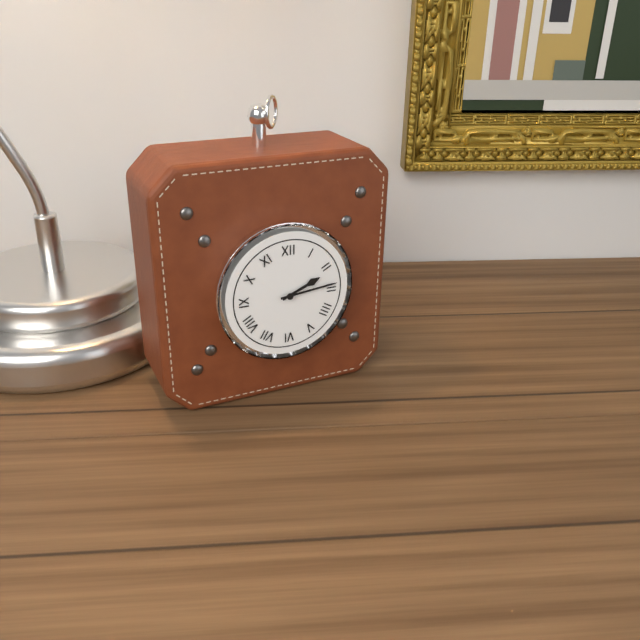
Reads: 2:14
